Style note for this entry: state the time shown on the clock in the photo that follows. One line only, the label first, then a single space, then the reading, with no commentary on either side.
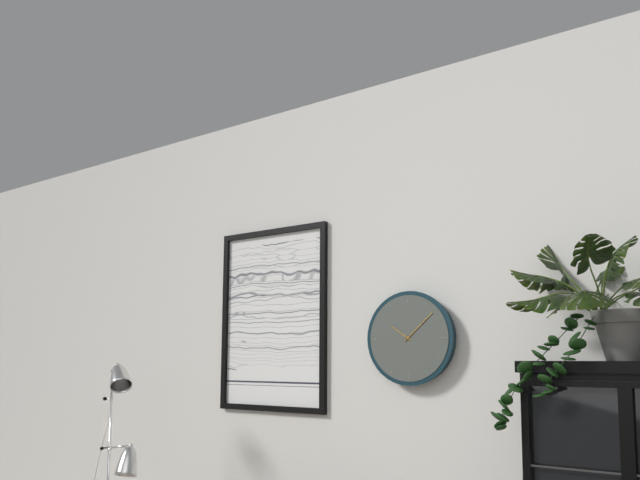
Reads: 10:08
